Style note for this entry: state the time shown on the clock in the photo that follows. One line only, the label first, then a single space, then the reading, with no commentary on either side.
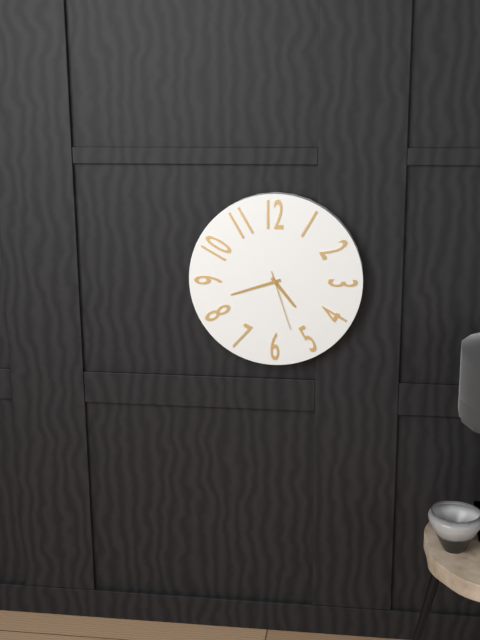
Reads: 4:42:27
